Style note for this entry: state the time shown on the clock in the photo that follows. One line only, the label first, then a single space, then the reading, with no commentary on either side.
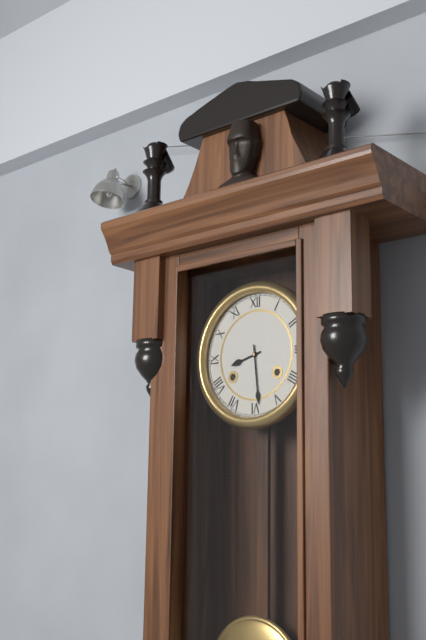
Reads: 8:29
